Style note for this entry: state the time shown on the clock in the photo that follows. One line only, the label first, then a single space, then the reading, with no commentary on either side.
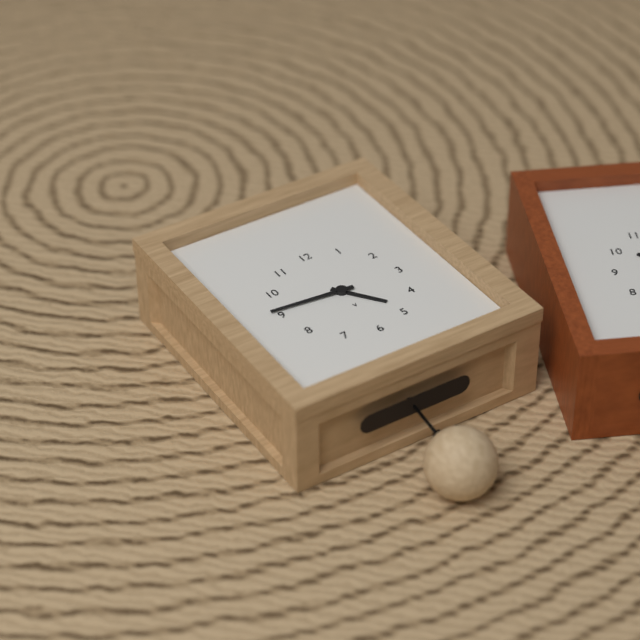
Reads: 4:46
